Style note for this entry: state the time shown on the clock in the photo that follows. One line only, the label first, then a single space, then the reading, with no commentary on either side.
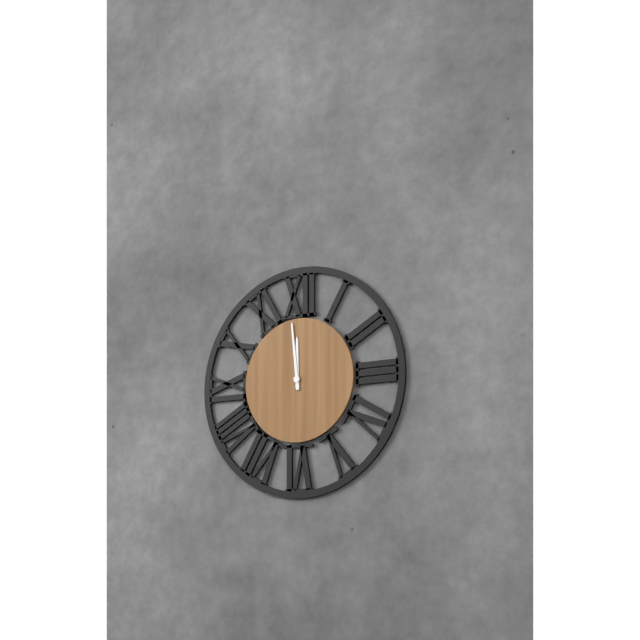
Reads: 11:59
